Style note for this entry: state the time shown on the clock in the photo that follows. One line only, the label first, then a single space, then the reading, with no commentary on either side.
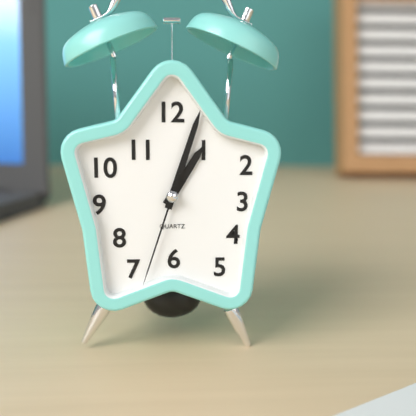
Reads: 1:03:33
